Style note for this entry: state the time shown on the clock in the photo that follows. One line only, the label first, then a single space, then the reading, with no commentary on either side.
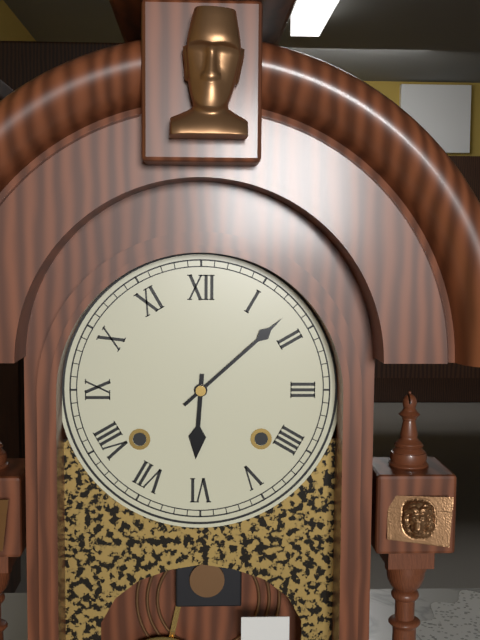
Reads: 6:08
